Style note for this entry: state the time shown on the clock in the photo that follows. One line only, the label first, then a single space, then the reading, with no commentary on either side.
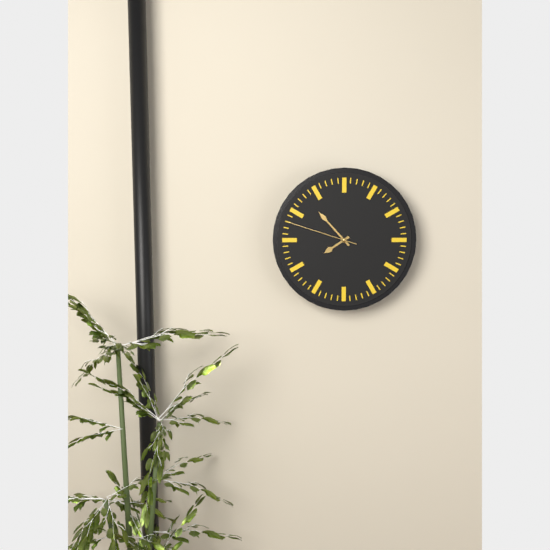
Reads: 7:53:48
